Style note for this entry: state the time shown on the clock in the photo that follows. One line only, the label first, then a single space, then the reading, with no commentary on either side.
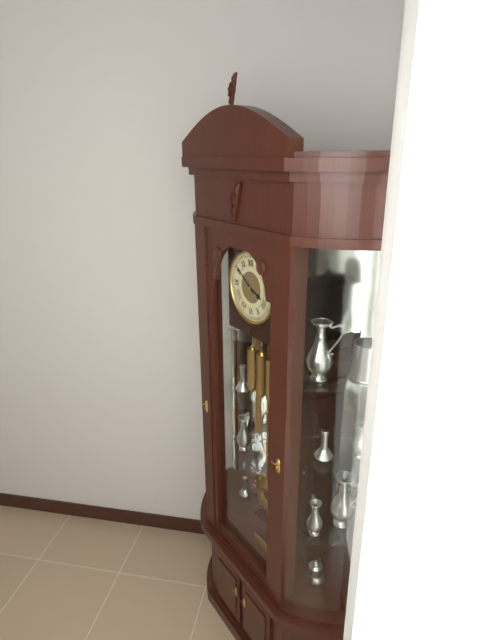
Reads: 3:51
